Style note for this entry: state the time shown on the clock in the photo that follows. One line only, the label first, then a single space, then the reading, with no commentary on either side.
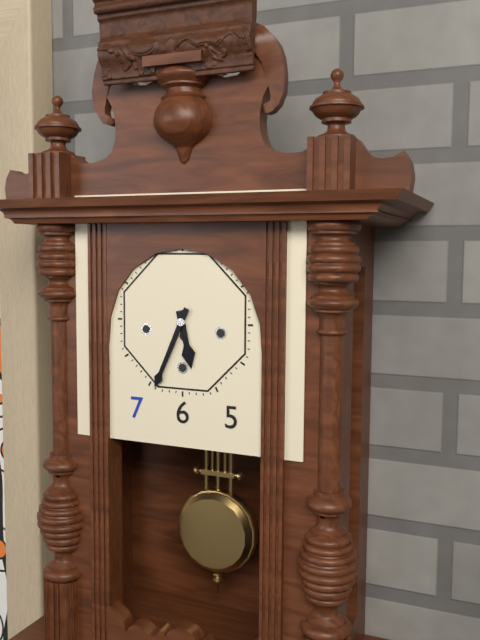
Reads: 5:34
